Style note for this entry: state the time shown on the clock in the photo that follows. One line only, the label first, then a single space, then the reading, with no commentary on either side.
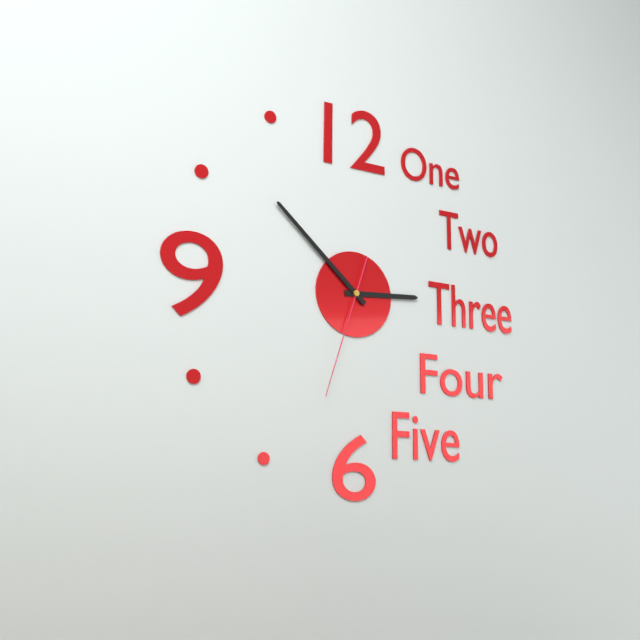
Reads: 2:52:33
